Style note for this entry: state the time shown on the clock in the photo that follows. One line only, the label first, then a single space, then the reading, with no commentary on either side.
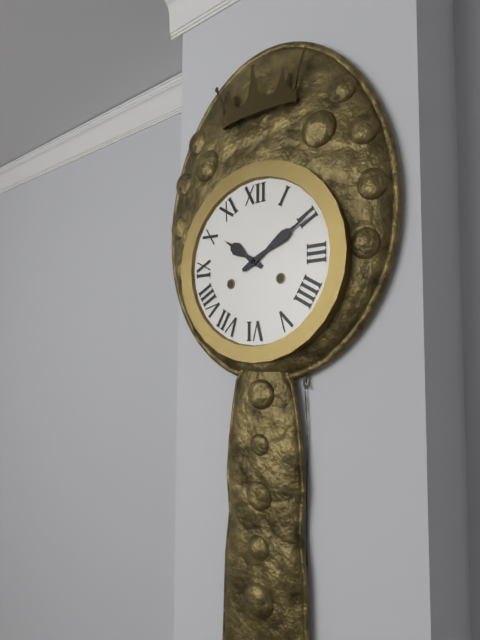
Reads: 10:10
